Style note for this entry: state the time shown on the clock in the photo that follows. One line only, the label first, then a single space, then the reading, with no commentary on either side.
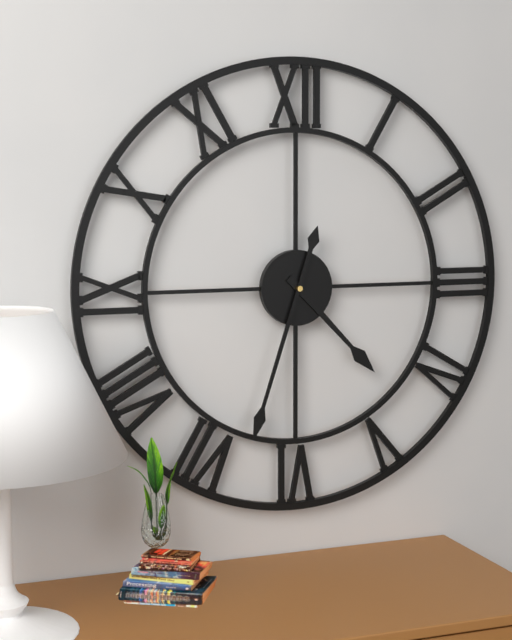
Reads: 4:33
